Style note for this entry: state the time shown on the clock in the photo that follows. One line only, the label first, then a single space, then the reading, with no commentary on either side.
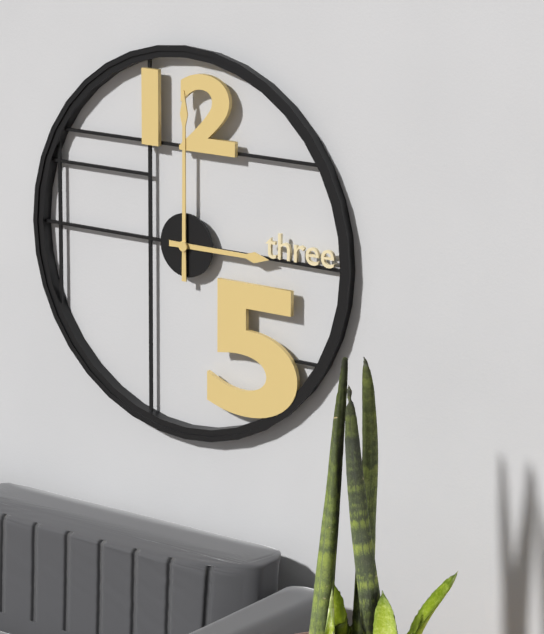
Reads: 3:00
